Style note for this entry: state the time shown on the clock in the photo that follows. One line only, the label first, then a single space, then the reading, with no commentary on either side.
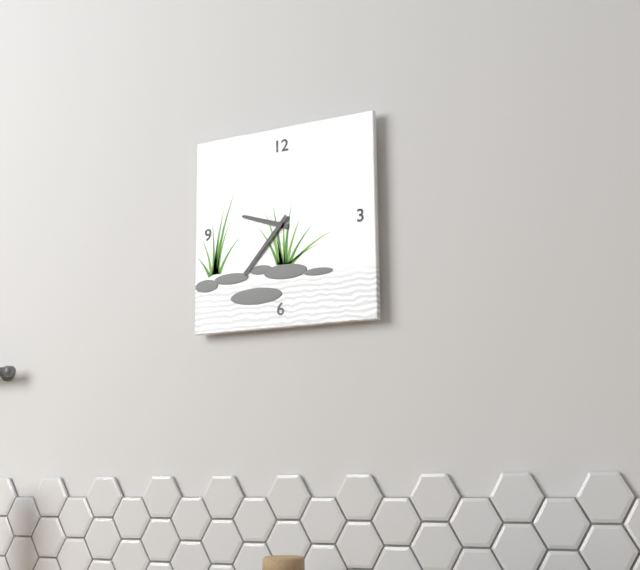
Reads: 9:37
